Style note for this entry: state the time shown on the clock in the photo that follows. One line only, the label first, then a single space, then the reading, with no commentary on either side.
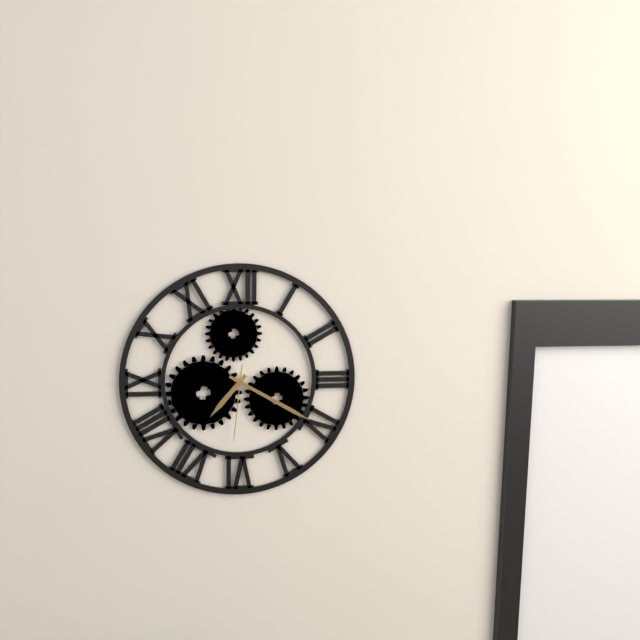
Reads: 7:20:31
